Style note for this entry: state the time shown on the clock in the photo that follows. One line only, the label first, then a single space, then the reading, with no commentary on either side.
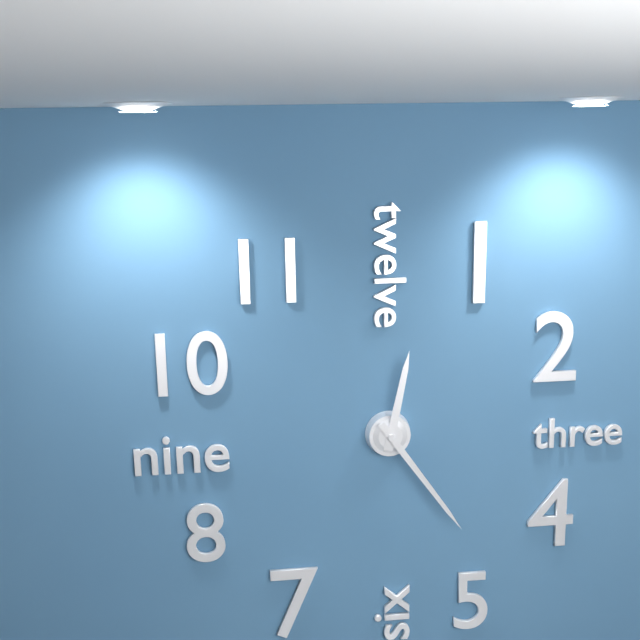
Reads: 12:24
